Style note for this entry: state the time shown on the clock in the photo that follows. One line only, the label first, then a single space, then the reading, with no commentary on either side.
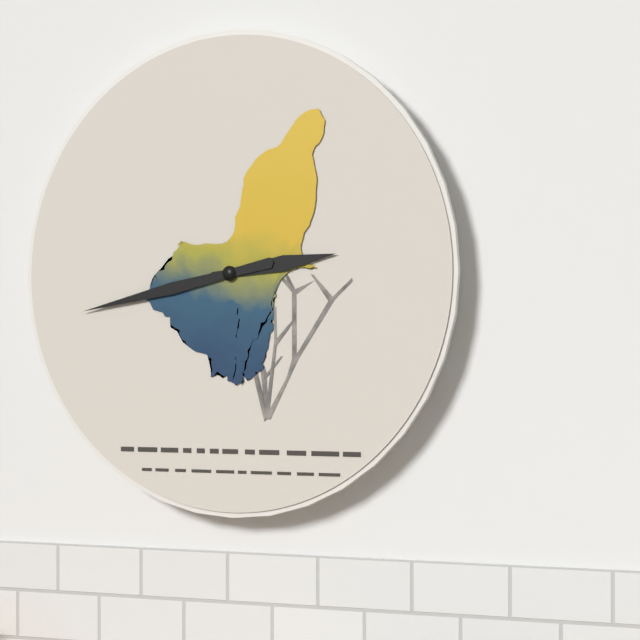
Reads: 2:43
